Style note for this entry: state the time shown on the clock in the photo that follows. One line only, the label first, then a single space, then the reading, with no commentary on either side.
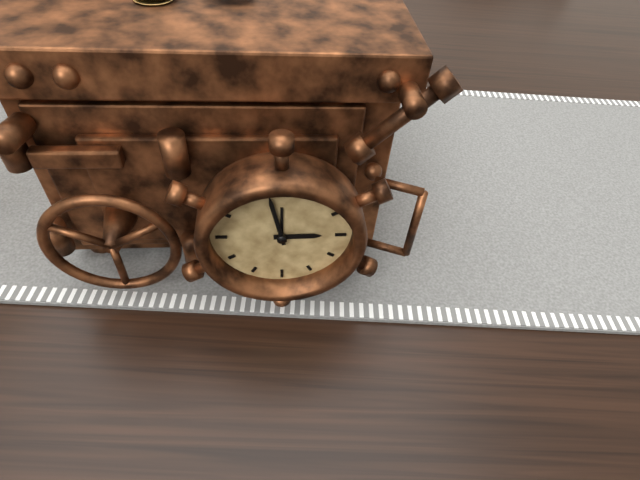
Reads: 2:58
